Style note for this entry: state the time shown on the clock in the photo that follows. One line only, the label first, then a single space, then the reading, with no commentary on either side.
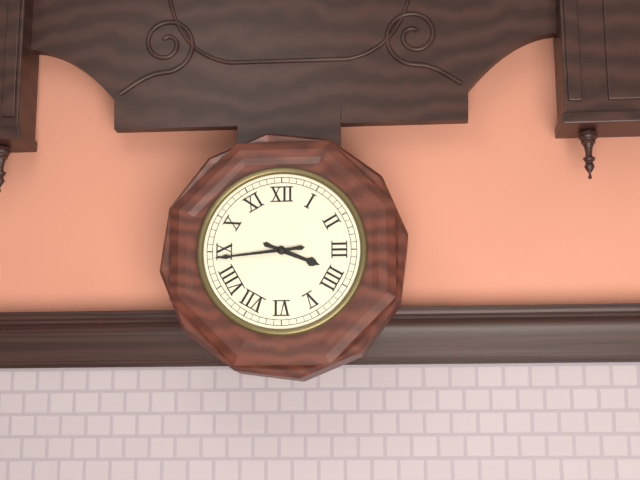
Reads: 3:44
